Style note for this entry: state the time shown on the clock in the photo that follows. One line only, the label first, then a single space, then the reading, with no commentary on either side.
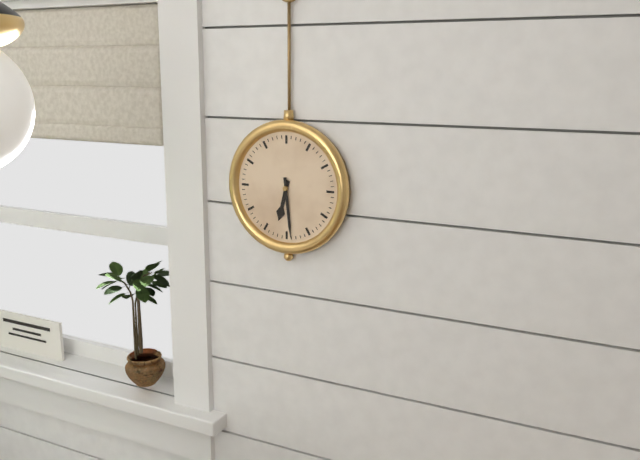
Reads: 6:29
